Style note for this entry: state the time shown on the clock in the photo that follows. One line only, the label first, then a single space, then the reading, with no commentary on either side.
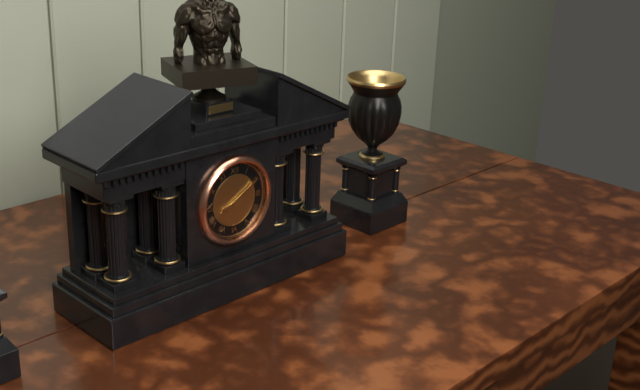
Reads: 8:10
